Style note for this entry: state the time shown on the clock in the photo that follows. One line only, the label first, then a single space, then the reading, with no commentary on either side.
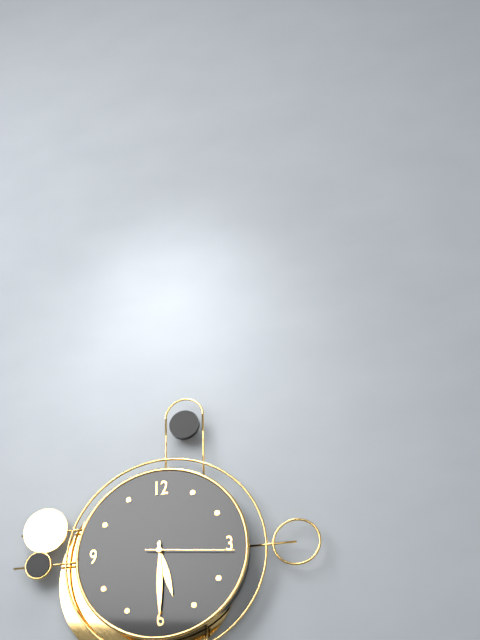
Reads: 5:30:16
